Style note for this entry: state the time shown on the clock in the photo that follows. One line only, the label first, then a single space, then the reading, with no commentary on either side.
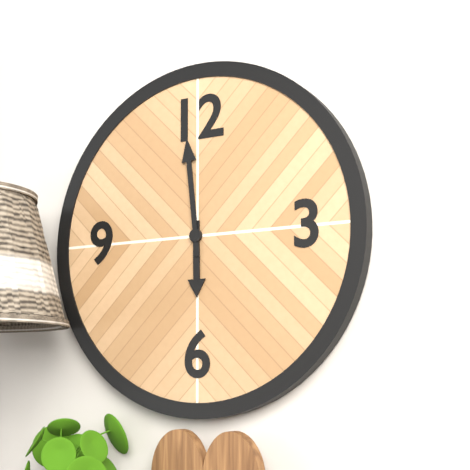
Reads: 5:59
